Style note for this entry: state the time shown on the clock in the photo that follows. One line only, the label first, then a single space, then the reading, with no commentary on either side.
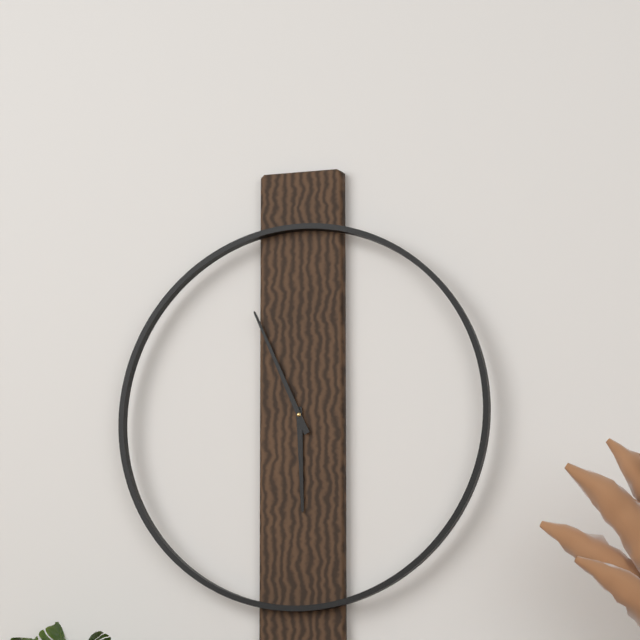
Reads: 5:56
